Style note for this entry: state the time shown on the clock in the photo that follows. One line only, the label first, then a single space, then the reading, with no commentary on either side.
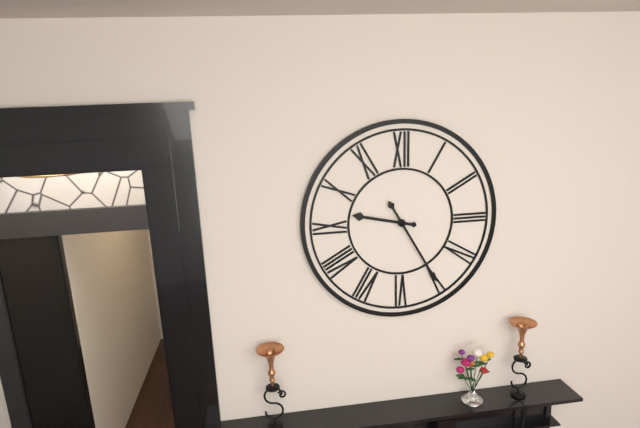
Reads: 9:25
